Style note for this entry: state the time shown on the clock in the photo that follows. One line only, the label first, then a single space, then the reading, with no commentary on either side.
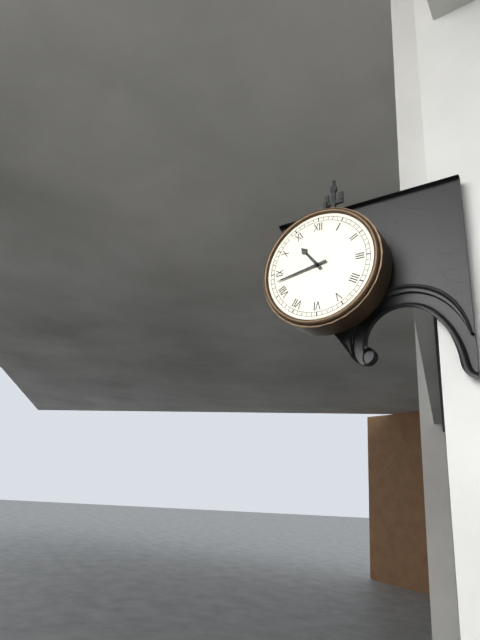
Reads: 10:43
